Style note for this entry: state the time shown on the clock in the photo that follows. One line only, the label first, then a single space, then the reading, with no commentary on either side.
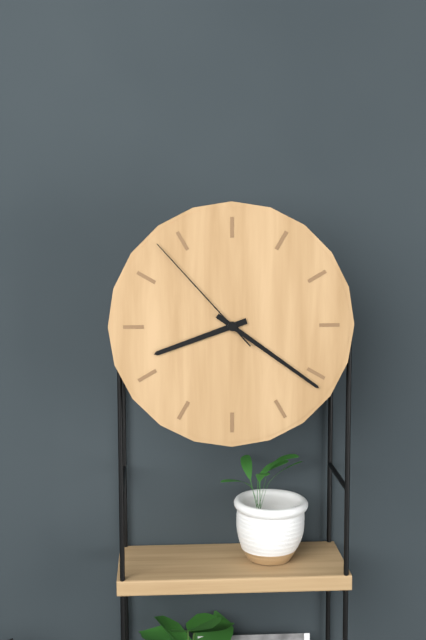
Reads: 8:21:53
